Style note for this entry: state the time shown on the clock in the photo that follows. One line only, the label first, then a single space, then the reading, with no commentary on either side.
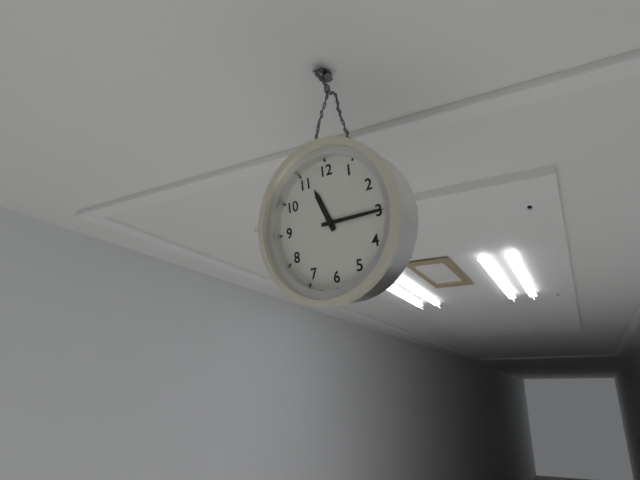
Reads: 11:15
